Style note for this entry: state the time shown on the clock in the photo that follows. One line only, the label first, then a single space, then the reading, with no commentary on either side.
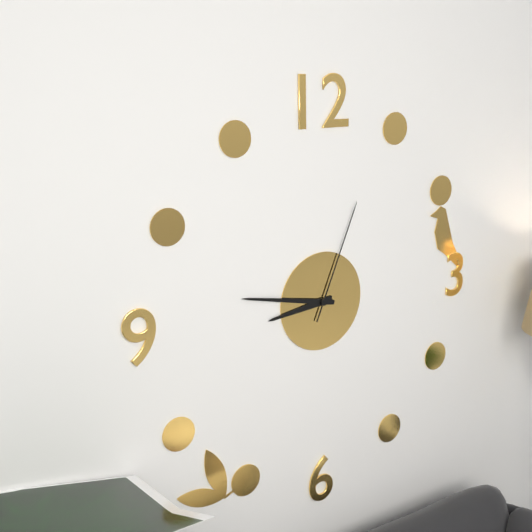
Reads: 8:47:04
